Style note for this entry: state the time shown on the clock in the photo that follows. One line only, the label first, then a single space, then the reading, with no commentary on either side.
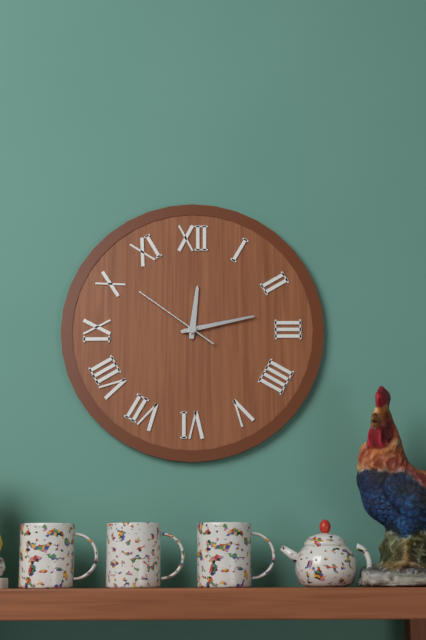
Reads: 12:13:51
